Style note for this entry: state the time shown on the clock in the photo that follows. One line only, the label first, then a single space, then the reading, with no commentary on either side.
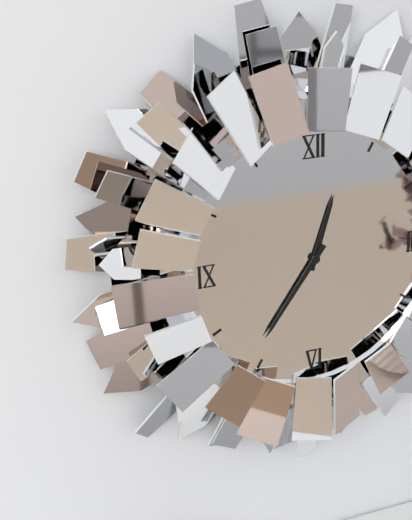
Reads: 12:36
